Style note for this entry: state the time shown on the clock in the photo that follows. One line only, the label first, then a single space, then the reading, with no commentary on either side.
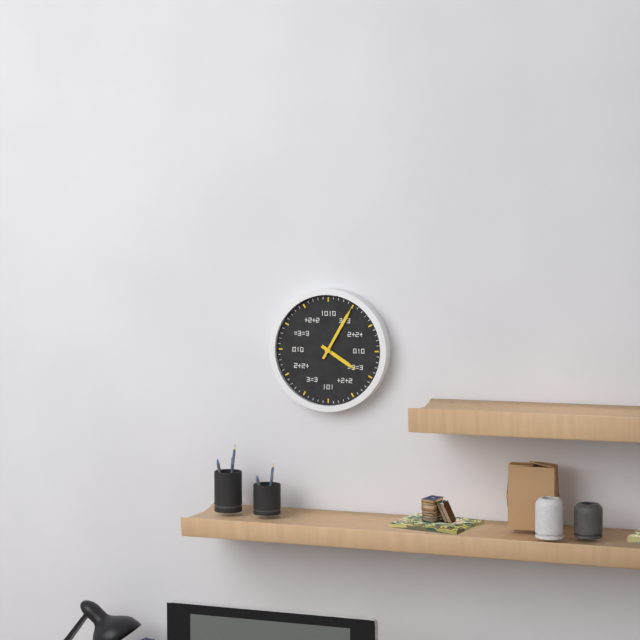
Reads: 4:05
